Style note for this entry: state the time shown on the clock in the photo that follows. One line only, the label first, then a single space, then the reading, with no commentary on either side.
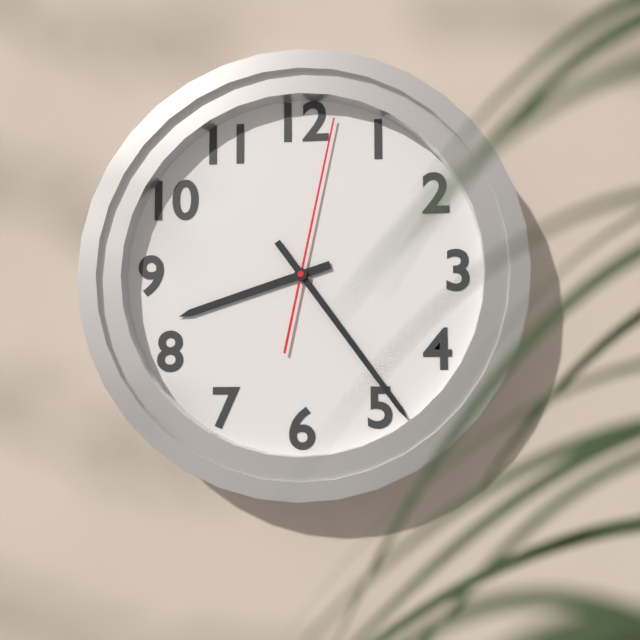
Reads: 8:24:02
